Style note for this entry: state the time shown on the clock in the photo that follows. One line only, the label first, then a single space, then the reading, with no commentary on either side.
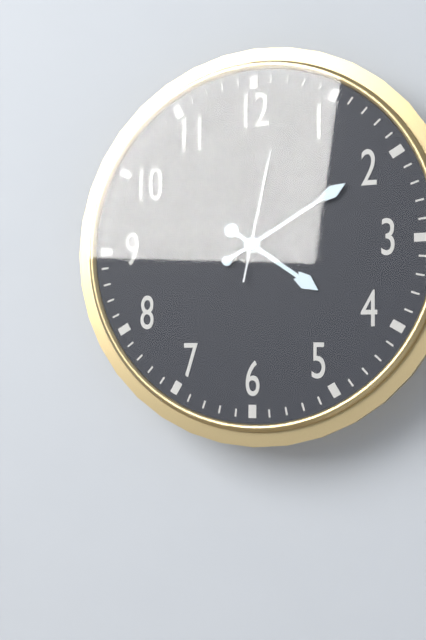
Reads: 4:10:02
